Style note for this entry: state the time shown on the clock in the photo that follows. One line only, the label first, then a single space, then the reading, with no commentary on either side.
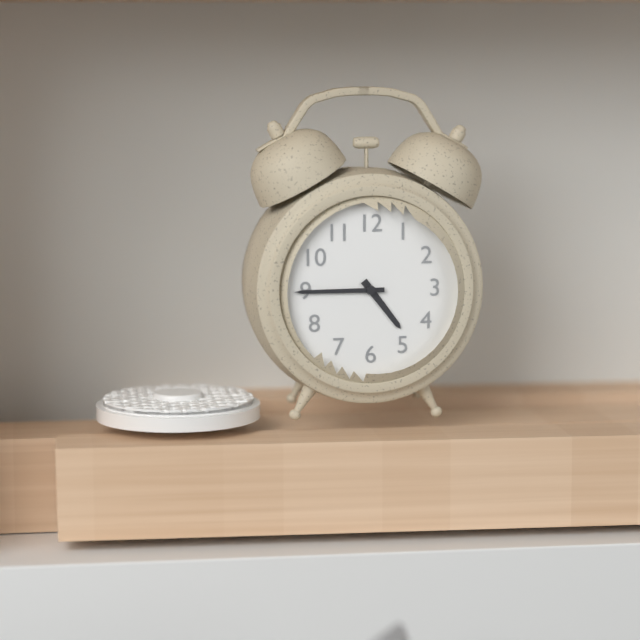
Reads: 4:45
